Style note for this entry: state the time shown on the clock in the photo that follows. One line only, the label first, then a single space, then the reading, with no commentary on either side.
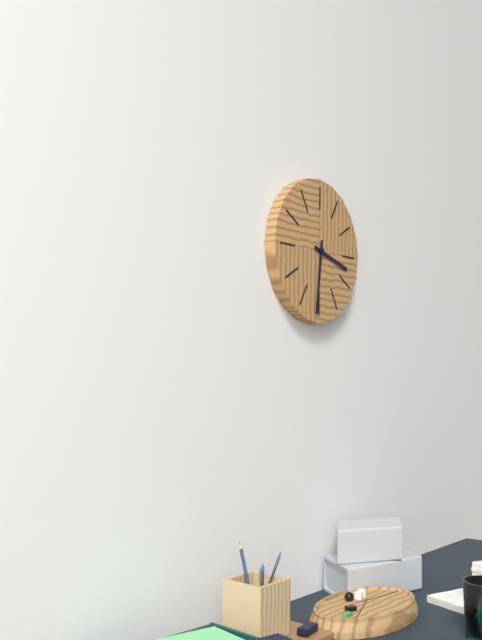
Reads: 3:31
